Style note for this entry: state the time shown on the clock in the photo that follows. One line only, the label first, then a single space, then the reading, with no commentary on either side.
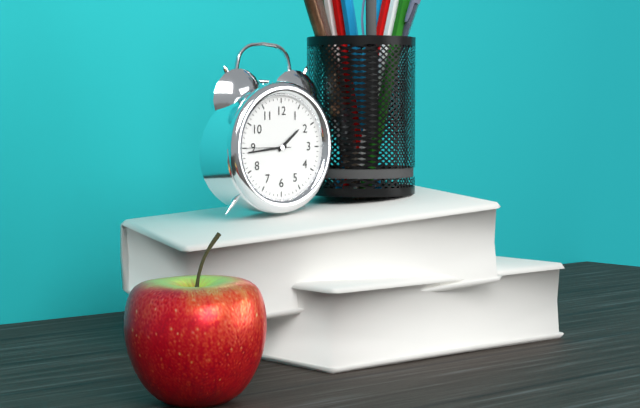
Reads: 1:44
